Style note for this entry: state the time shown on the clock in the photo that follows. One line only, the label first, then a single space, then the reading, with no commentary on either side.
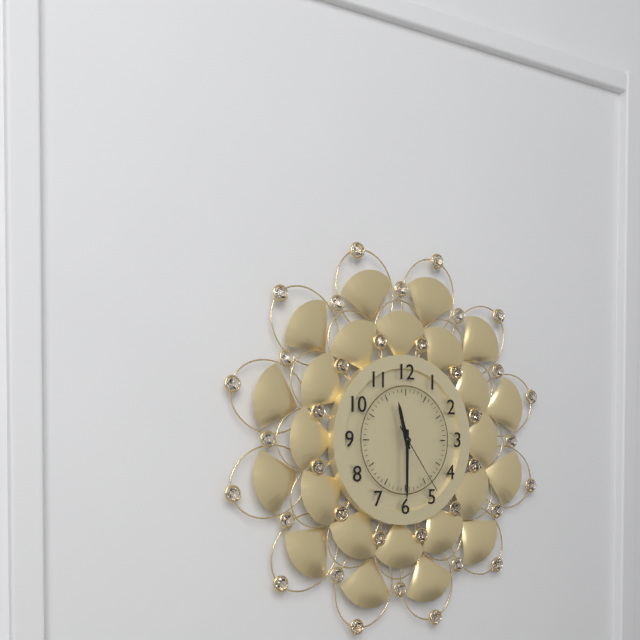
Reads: 11:30:24
